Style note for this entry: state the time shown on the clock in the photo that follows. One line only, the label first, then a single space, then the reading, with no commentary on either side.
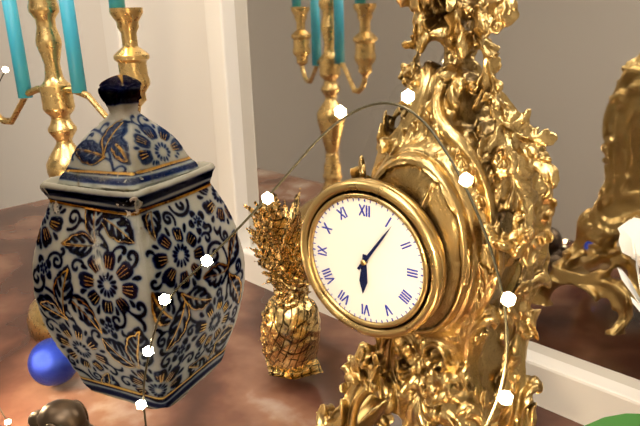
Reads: 6:06
